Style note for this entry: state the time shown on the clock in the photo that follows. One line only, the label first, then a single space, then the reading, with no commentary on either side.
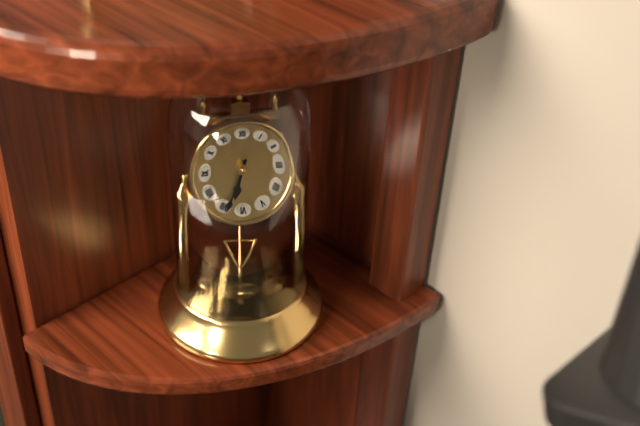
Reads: 6:34
